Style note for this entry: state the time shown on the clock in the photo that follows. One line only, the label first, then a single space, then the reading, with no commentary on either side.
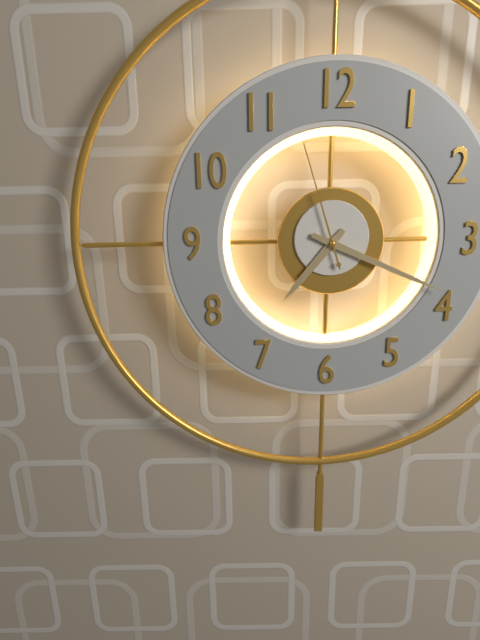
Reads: 7:19:57
